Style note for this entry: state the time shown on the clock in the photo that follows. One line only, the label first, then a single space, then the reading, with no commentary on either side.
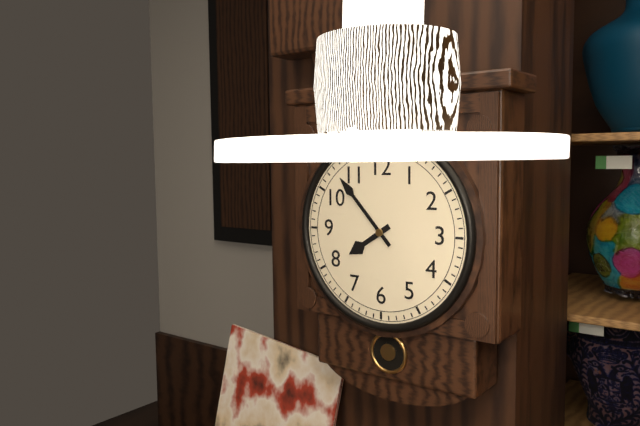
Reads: 7:53
